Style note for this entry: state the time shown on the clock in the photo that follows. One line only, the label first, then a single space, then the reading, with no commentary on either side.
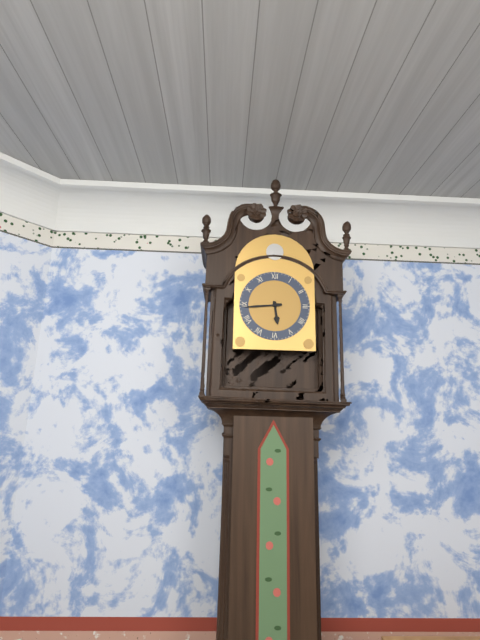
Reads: 5:44
